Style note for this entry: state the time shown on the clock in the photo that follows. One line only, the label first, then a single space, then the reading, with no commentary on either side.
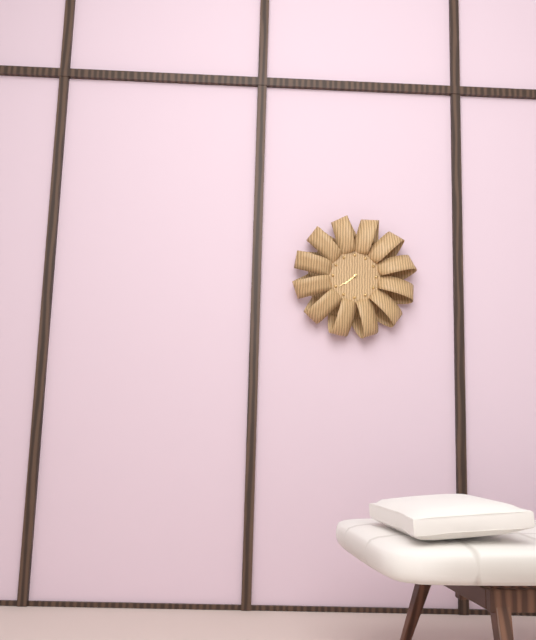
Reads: 7:39
